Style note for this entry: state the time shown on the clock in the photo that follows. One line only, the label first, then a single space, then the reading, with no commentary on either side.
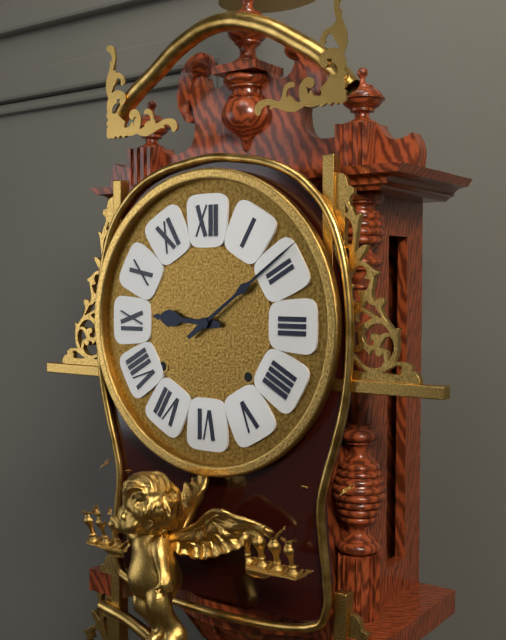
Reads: 9:09
